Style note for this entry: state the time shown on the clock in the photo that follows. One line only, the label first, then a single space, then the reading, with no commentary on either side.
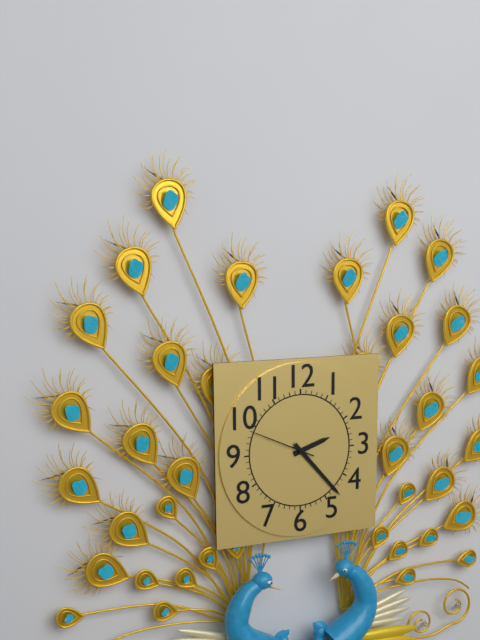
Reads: 2:23:49
